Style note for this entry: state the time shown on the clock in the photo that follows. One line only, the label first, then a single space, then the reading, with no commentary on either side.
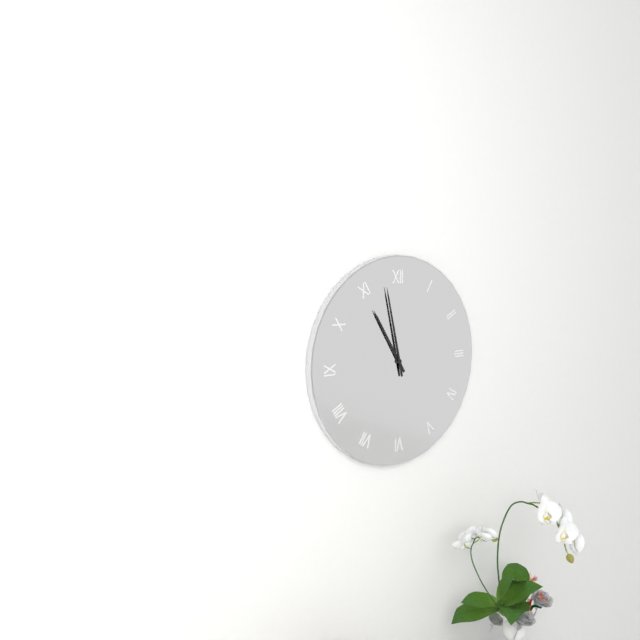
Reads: 10:58
